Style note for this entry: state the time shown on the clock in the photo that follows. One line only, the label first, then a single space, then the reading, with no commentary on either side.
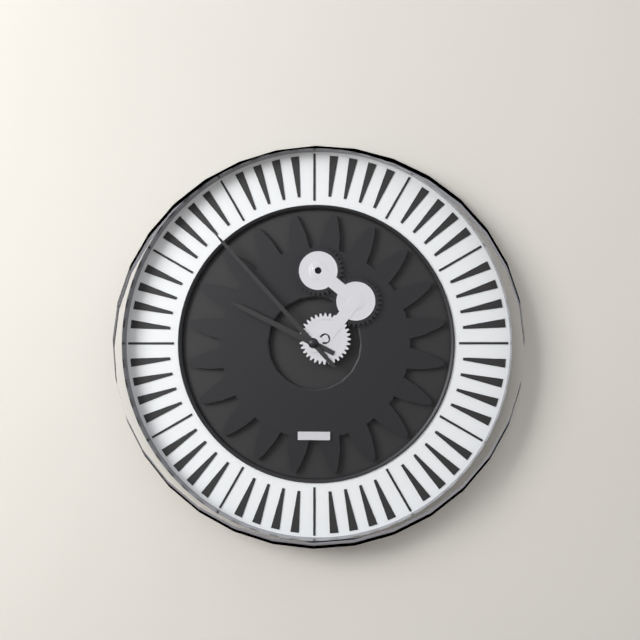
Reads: 9:53
